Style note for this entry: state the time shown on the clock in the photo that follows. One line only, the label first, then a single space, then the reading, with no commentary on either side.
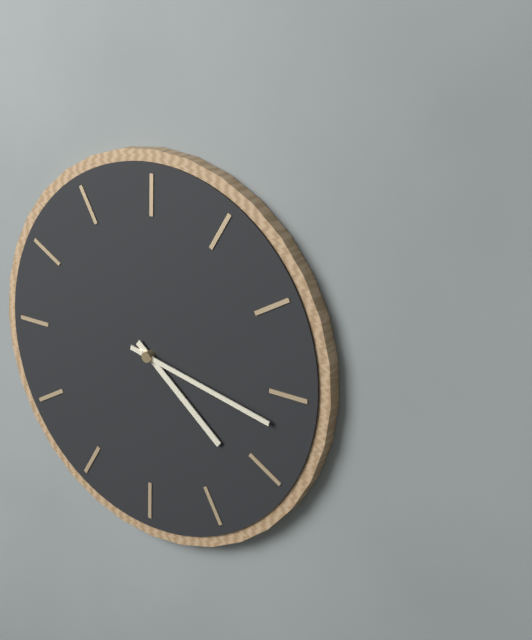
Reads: 4:17
